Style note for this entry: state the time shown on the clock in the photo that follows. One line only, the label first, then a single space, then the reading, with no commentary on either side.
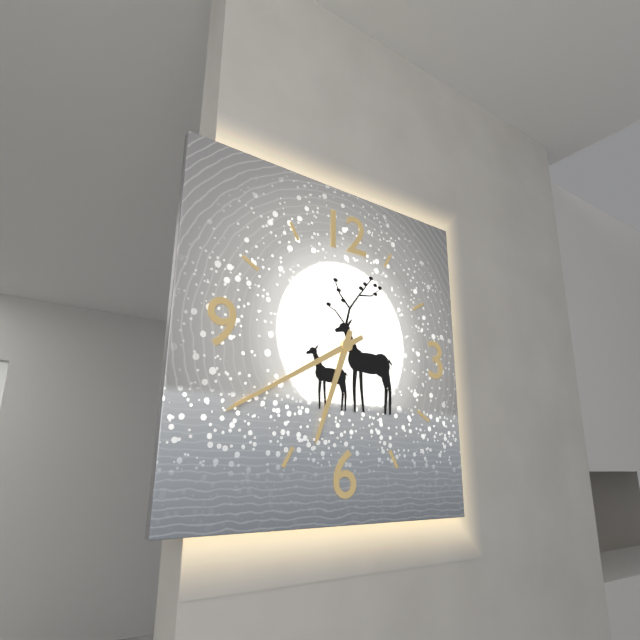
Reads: 6:40
